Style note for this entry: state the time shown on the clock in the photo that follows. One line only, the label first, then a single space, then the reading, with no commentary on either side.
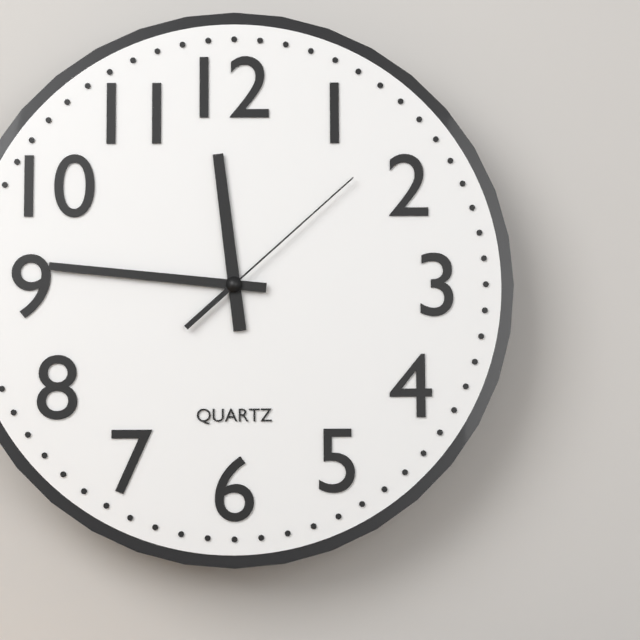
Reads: 11:46:08
